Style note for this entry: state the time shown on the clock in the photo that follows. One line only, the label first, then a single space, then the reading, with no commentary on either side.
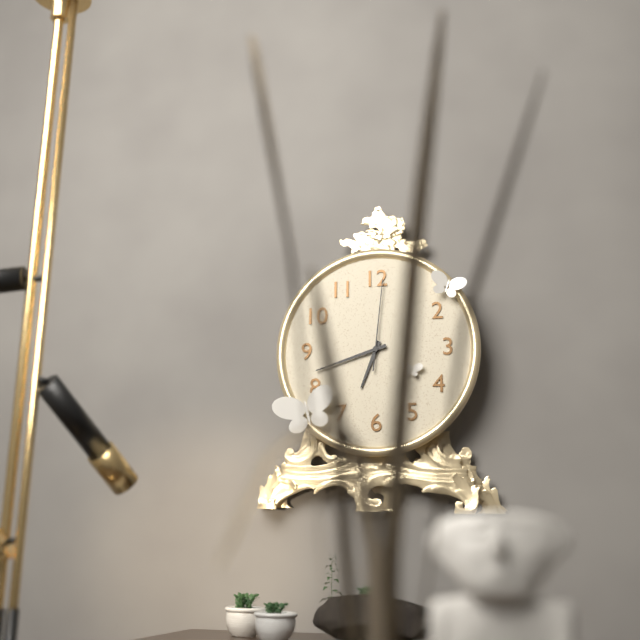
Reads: 6:42:01
